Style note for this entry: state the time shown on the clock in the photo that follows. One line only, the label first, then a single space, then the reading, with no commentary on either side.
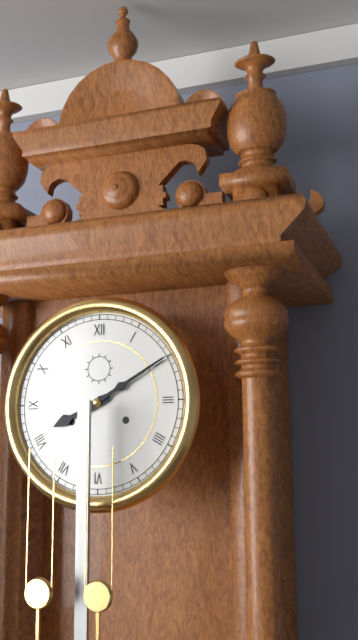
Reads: 8:10
